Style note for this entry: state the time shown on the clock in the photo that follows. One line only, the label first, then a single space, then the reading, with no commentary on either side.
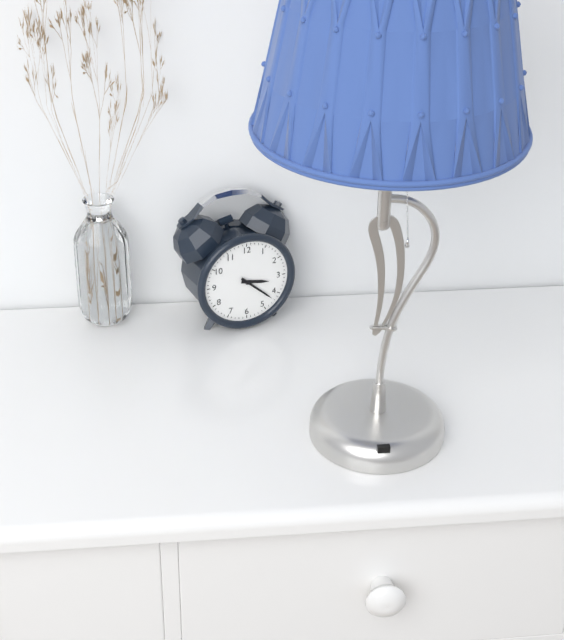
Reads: 3:22
